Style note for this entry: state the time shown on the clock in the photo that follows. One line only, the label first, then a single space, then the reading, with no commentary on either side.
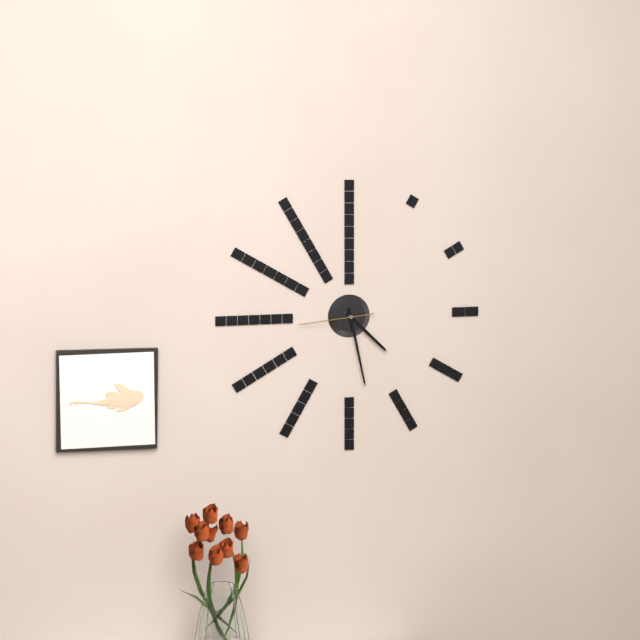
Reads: 4:28:44
